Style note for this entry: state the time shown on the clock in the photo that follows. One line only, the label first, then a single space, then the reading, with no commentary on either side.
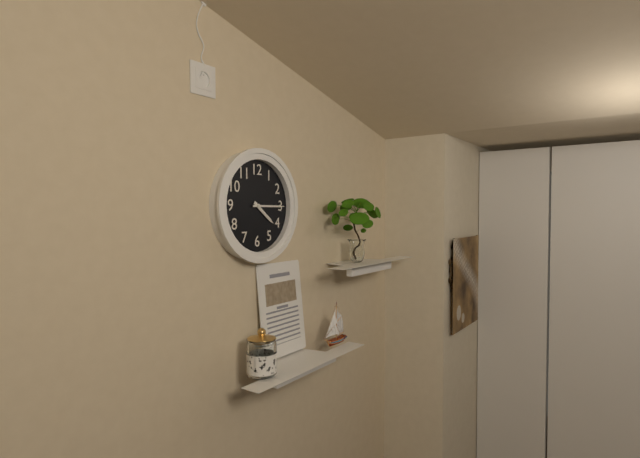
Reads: 4:15
